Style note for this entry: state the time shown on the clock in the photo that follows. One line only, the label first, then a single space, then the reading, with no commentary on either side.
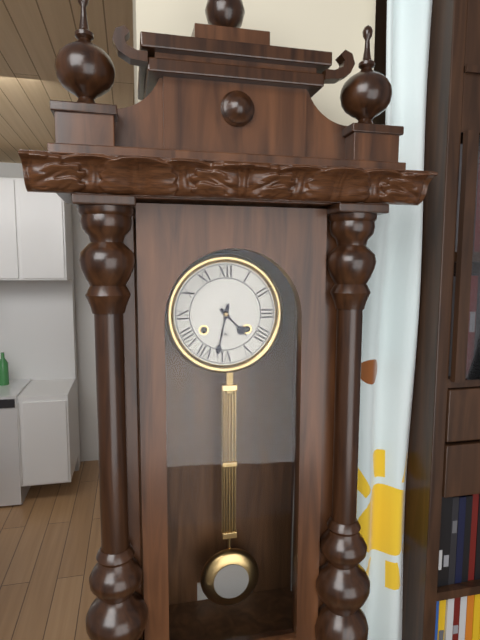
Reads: 4:32
